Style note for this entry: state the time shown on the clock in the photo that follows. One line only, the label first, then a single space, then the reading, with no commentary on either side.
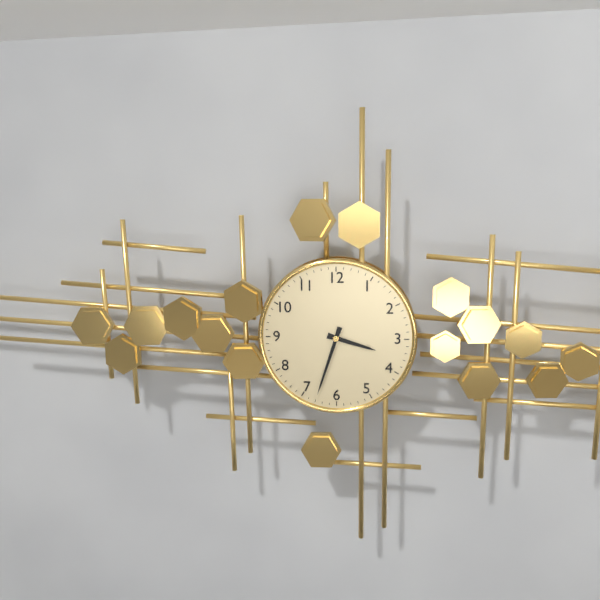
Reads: 3:33
